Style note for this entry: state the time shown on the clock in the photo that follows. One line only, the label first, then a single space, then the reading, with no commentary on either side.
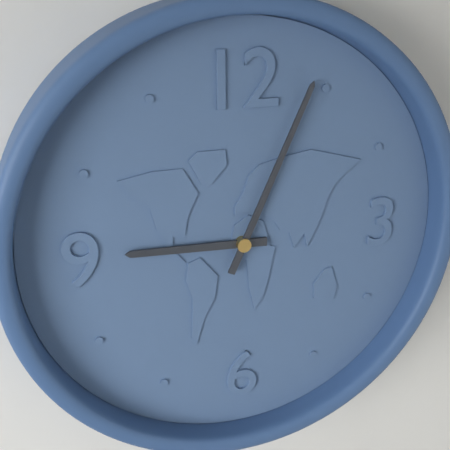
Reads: 9:04
